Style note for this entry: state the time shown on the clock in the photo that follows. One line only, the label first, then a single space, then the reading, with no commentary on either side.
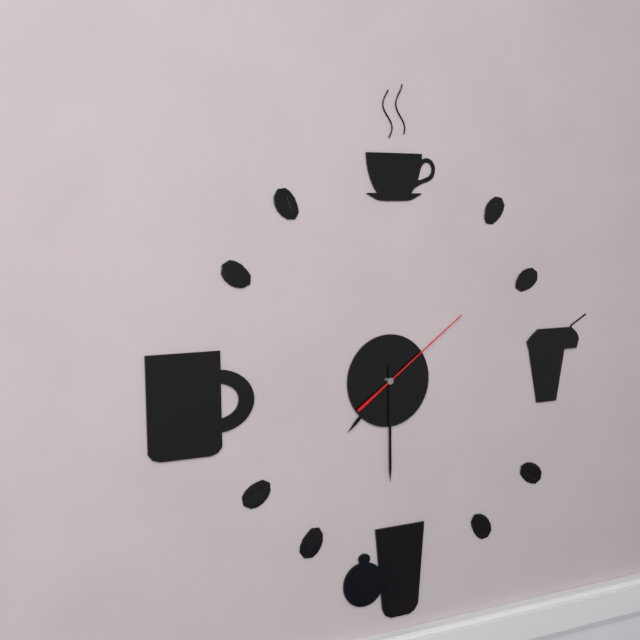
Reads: 7:30:09
